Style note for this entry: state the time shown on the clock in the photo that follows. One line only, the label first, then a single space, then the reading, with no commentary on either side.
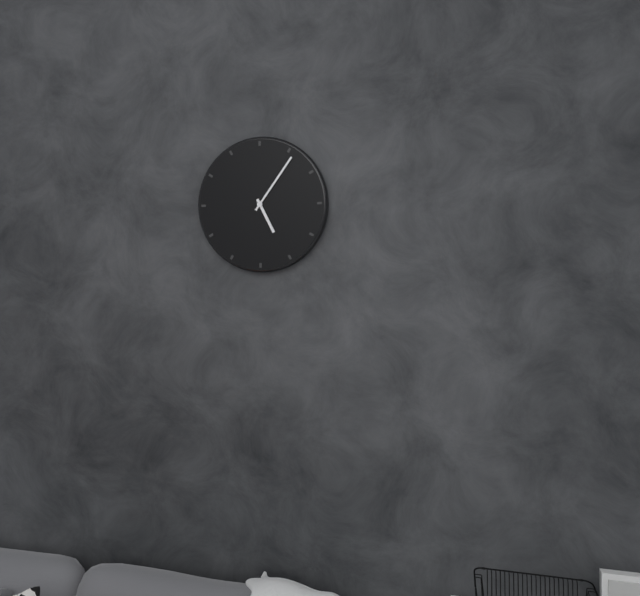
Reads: 5:06
